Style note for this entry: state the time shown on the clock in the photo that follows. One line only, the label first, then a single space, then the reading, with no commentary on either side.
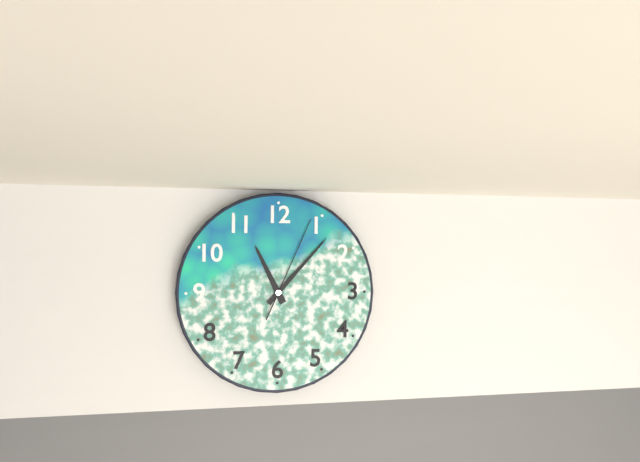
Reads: 11:07:04
